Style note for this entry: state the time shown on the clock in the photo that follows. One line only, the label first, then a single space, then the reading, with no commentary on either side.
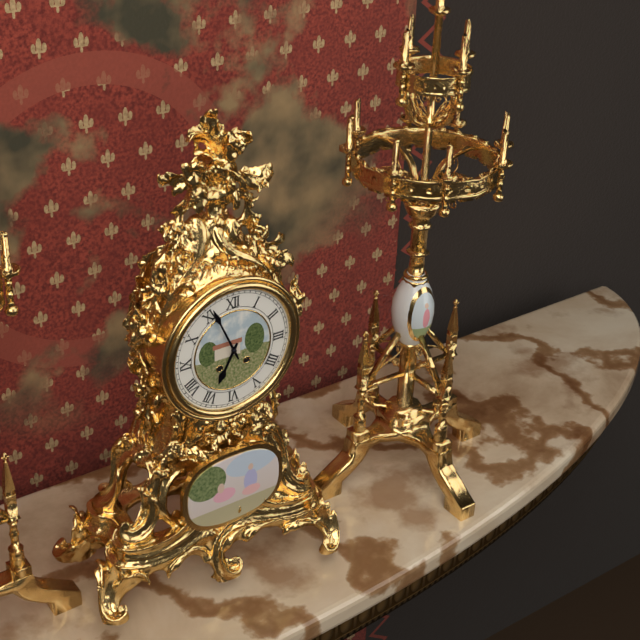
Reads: 6:56
